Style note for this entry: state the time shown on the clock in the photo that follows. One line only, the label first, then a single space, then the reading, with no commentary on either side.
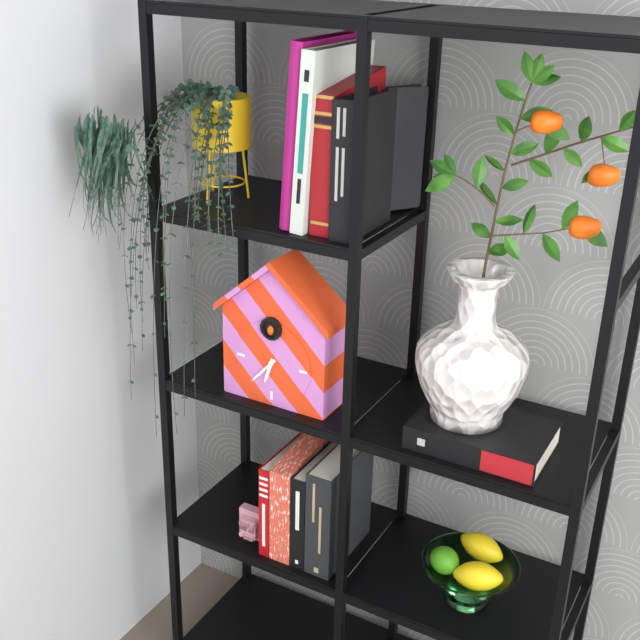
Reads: 6:37
